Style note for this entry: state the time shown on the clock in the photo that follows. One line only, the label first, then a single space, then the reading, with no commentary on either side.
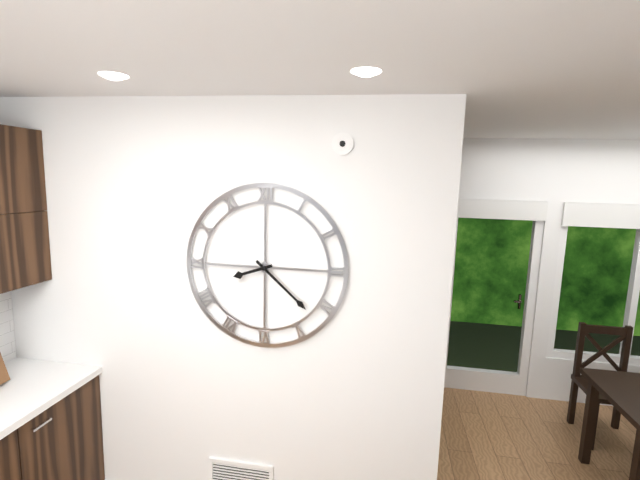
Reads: 8:22
